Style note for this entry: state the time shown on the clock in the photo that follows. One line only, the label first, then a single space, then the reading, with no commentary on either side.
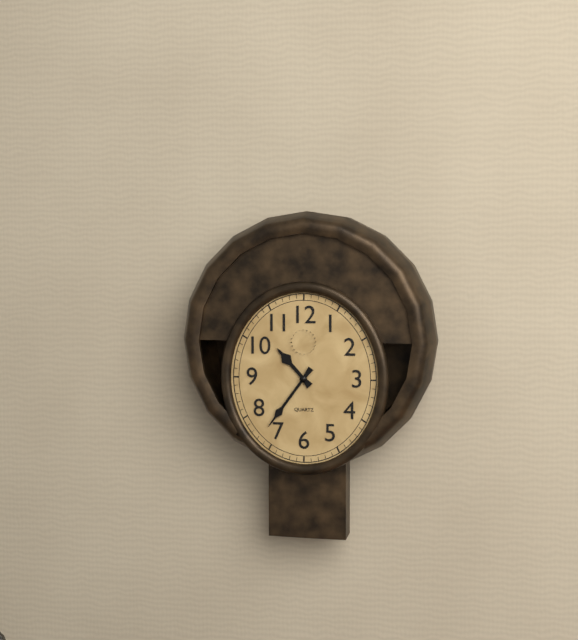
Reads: 10:36
